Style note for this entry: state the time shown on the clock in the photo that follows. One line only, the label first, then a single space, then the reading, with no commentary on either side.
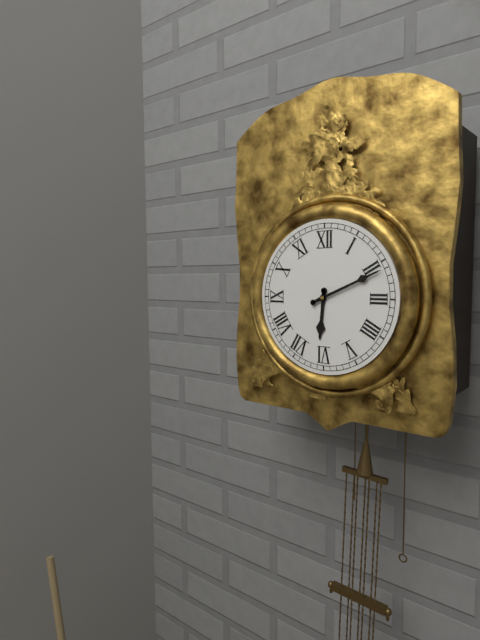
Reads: 6:11
